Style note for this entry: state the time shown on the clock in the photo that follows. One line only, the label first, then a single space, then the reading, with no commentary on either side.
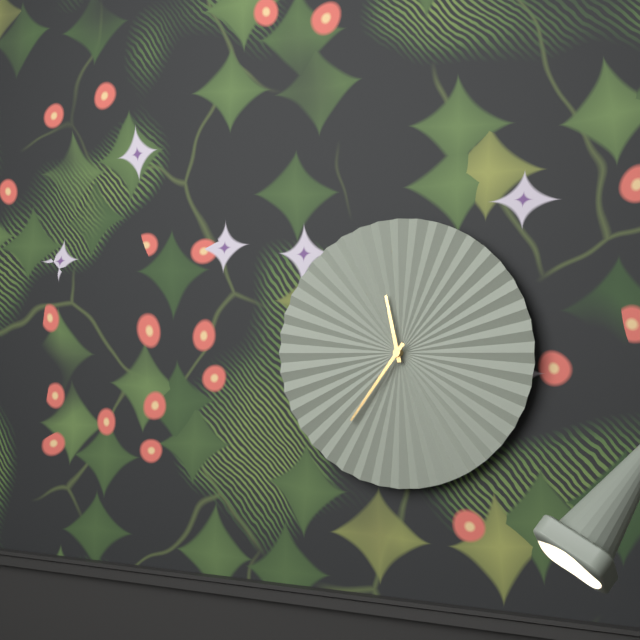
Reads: 11:36
